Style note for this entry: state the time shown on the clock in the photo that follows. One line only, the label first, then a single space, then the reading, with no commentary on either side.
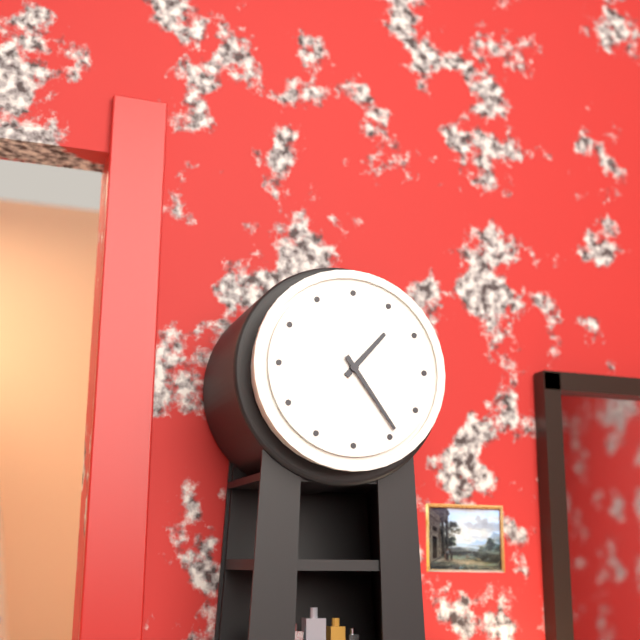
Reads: 1:24
